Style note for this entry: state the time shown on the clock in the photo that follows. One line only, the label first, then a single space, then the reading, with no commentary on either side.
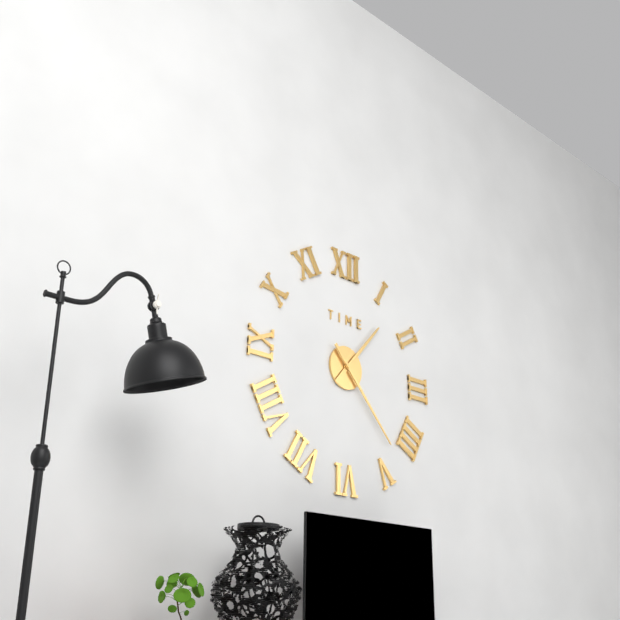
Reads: 1:23
